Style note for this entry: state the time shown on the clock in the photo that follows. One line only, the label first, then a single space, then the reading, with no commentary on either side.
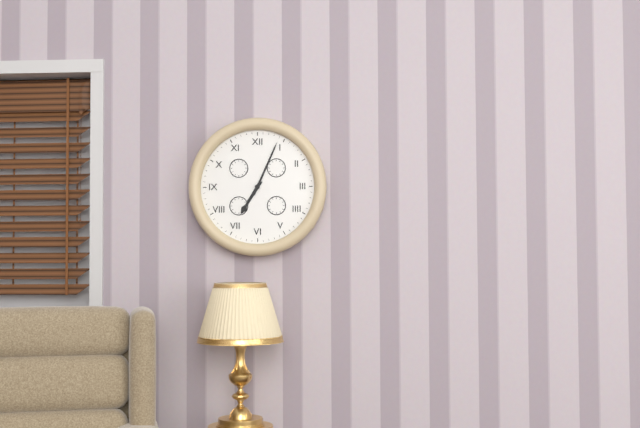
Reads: 7:04
